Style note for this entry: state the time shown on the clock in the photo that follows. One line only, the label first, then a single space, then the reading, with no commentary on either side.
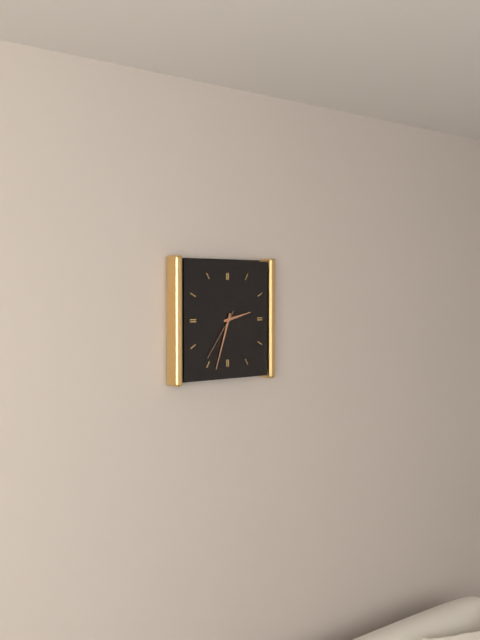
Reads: 2:33:36
